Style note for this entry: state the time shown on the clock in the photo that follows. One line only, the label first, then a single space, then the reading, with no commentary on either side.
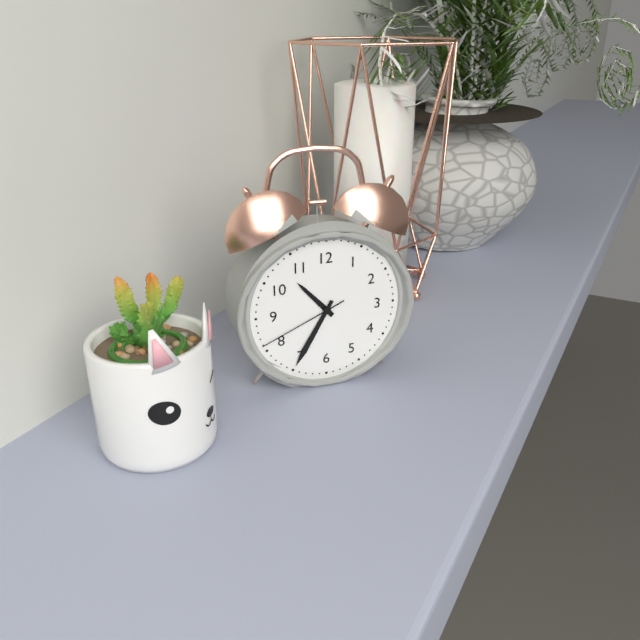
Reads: 10:35:41
